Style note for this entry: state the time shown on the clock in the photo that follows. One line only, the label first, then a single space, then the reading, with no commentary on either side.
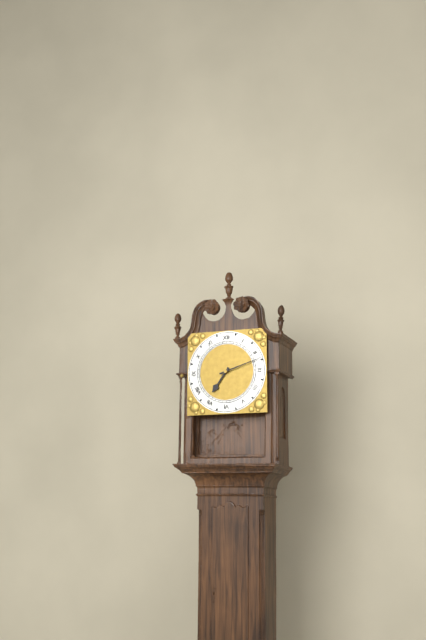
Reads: 7:12
